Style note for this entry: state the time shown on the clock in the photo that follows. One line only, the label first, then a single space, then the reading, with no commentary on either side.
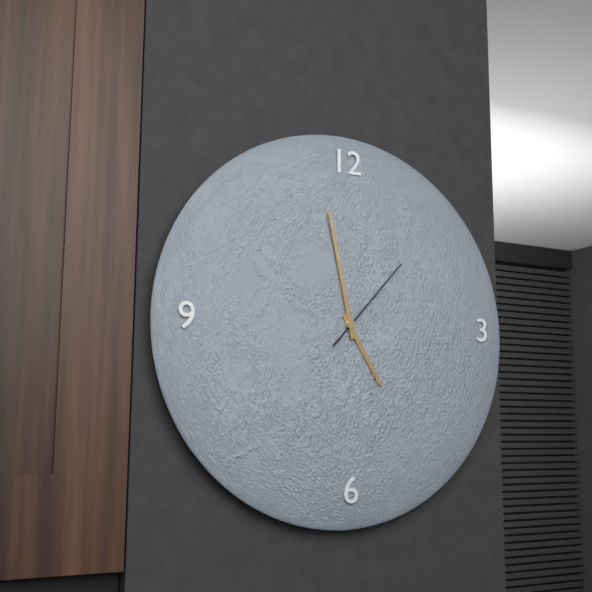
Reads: 4:58:07
